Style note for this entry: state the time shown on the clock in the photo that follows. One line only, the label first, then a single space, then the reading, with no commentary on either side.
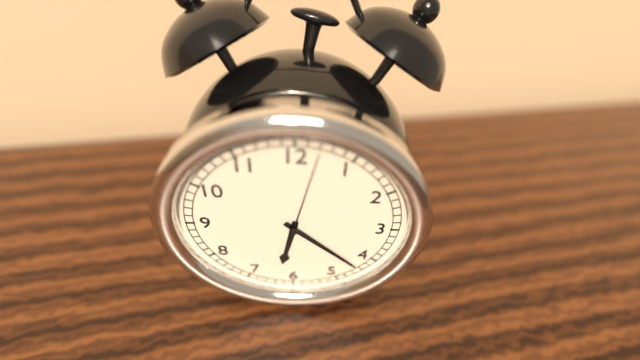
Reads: 6:22:02
